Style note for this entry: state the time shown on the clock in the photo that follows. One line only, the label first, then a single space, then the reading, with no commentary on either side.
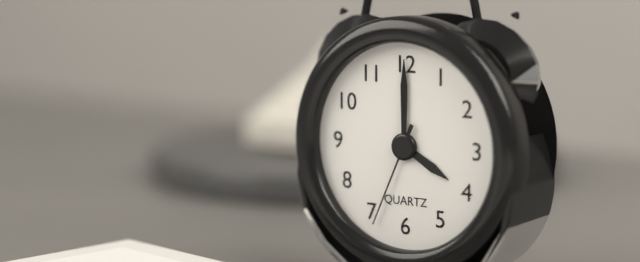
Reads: 4:00:34
